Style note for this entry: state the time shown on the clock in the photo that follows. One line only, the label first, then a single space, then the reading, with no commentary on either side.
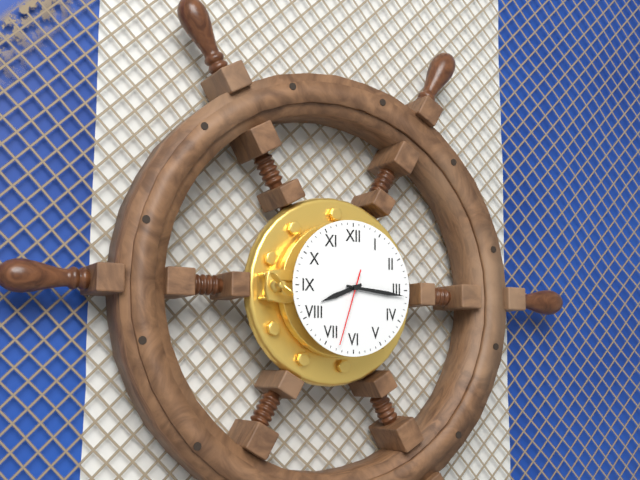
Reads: 8:16:33
